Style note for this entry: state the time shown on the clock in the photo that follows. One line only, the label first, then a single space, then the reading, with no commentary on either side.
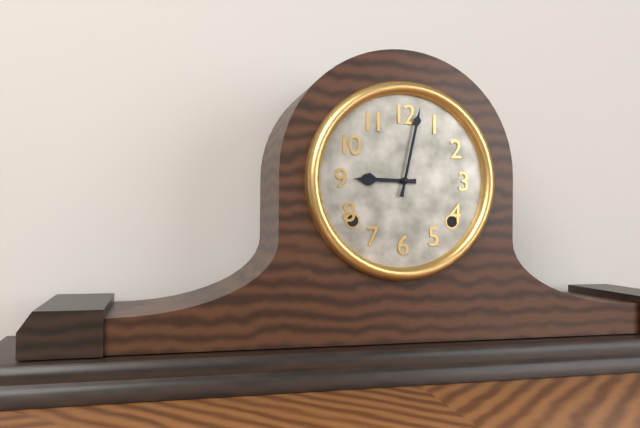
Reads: 9:02
